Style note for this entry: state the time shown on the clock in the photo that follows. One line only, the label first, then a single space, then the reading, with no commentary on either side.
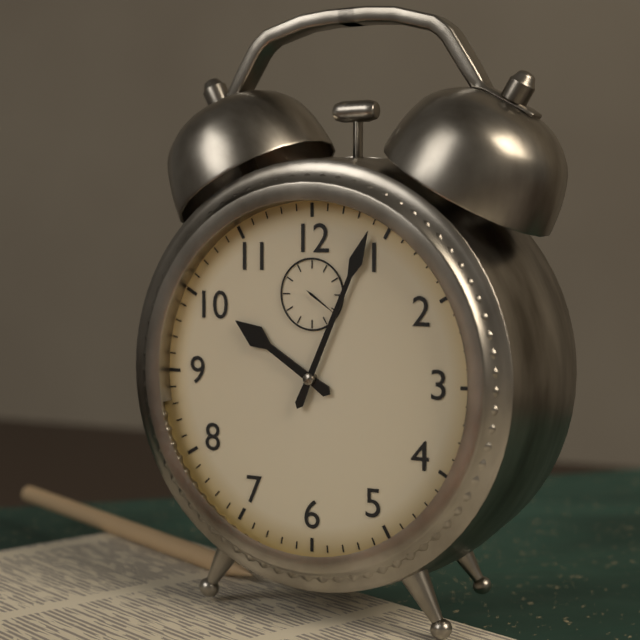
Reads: 10:04
